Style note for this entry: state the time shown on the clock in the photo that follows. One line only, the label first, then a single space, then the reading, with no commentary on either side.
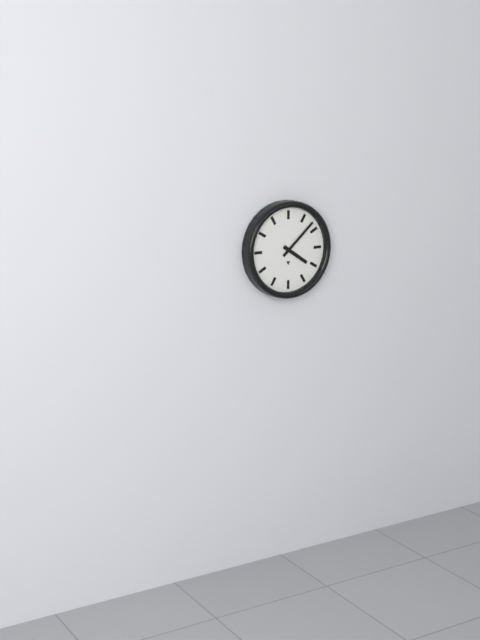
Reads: 4:08
